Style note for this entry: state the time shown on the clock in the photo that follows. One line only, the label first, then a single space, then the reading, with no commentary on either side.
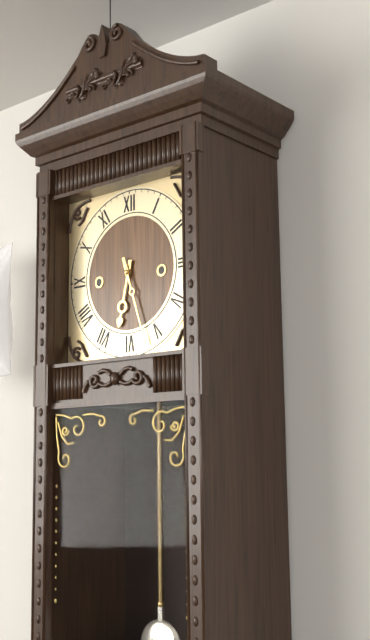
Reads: 6:27
